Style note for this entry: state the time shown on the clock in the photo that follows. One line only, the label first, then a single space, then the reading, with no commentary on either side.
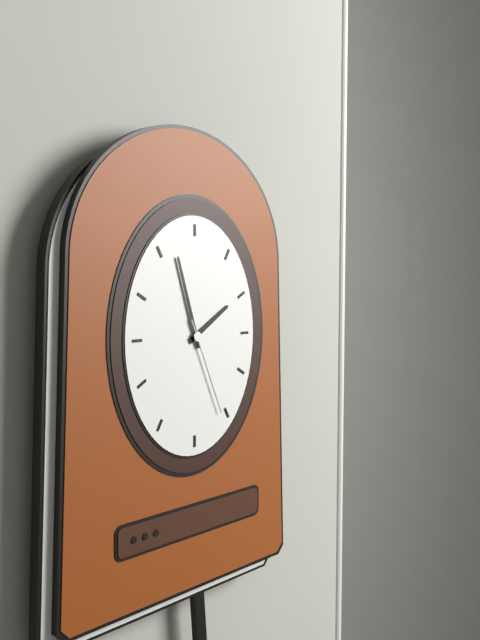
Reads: 1:57:26
